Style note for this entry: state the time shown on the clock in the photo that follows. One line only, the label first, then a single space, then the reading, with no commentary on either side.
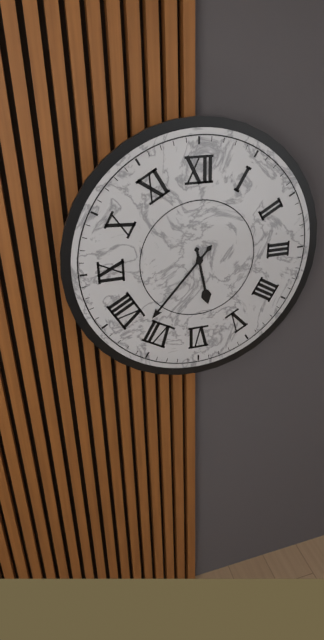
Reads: 5:37
